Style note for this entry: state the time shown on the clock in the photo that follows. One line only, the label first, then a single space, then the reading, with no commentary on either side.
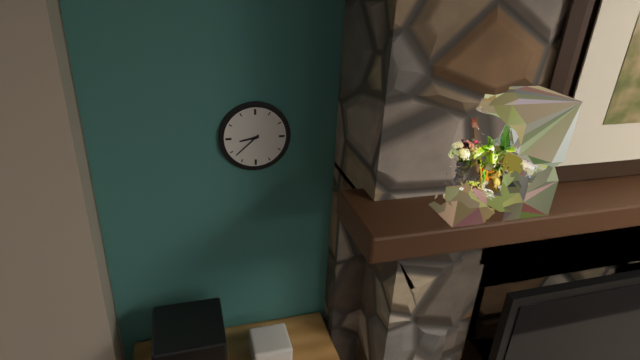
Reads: 8:38
